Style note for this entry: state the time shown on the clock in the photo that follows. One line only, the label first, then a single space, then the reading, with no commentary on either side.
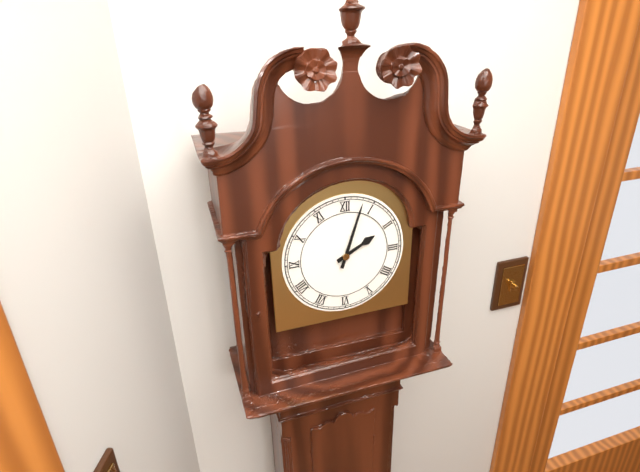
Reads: 2:03
